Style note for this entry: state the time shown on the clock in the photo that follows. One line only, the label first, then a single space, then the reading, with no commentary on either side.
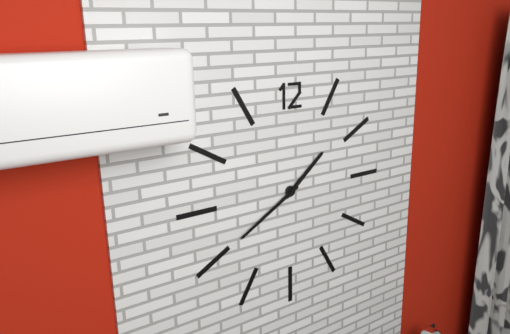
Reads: 1:40
